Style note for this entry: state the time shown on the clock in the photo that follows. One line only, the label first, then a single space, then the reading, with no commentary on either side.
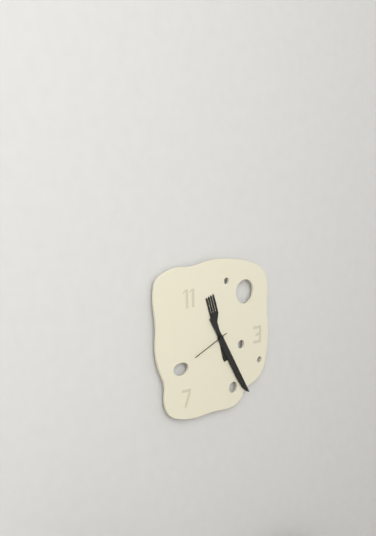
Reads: 11:25
